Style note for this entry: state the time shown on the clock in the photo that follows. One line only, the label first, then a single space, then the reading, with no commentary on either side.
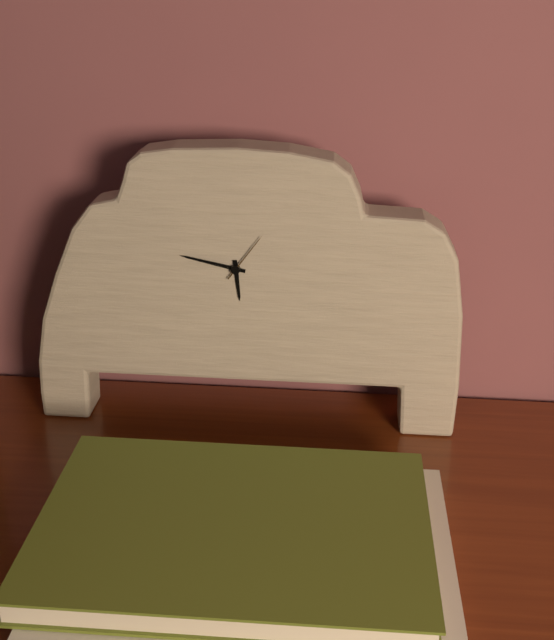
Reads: 5:47:06
